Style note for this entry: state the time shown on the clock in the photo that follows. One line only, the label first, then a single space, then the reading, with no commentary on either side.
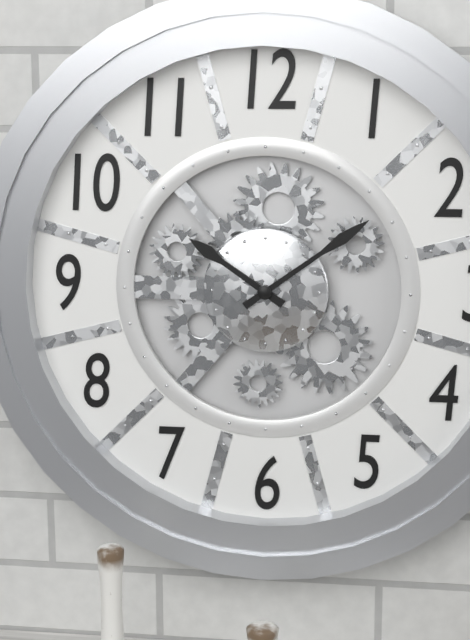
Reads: 10:09
